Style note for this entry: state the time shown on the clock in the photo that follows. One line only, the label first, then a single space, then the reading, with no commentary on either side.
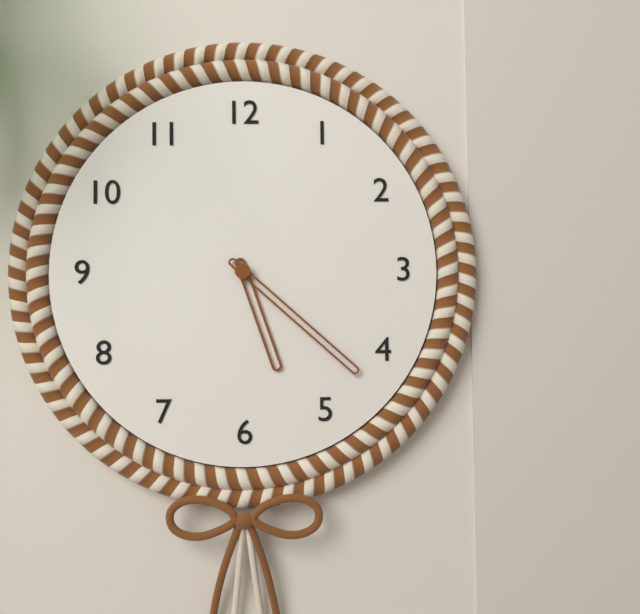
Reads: 5:22
